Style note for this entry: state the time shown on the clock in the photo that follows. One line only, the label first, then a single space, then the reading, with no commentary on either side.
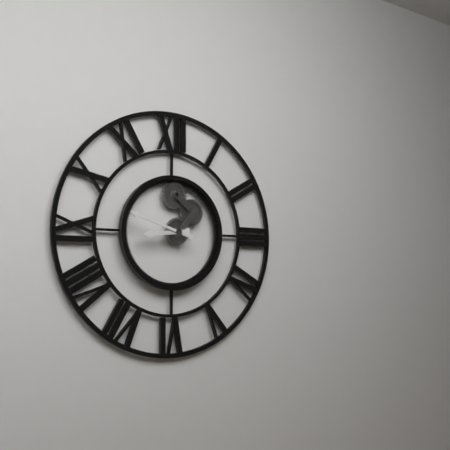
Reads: 8:48
